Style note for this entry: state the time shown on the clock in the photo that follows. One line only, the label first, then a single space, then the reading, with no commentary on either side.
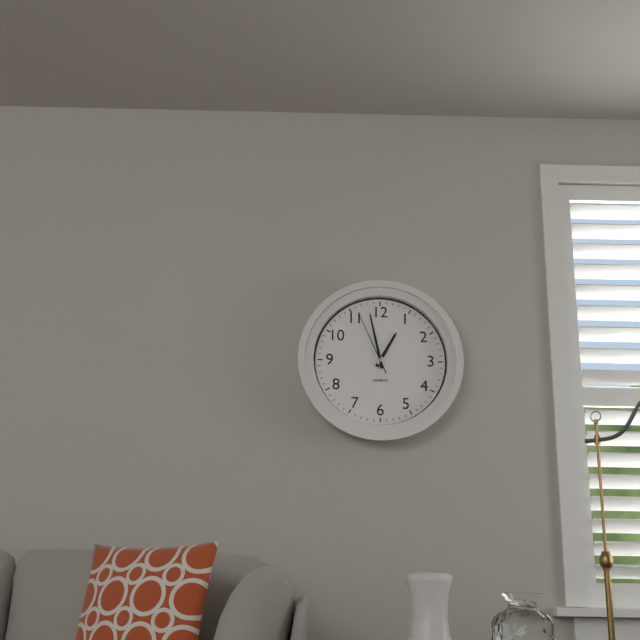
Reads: 12:58:56
